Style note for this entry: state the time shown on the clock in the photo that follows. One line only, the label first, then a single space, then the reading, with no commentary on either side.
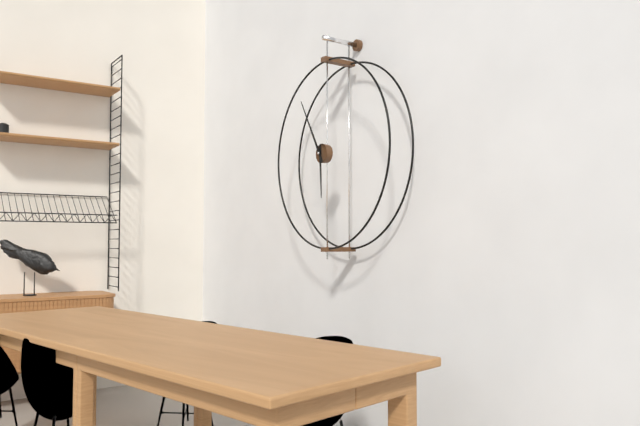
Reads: 5:55
